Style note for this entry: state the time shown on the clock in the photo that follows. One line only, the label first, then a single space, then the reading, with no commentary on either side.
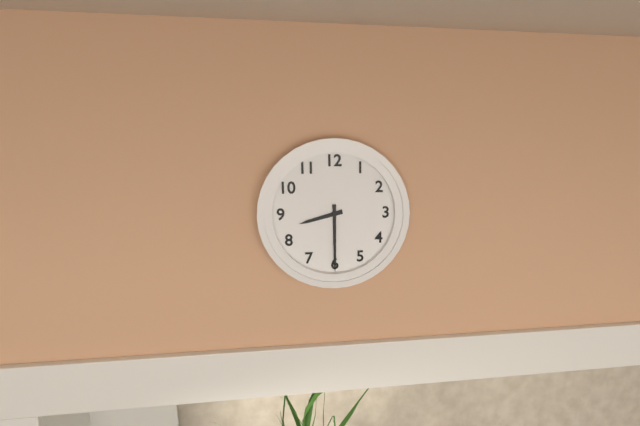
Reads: 8:30
